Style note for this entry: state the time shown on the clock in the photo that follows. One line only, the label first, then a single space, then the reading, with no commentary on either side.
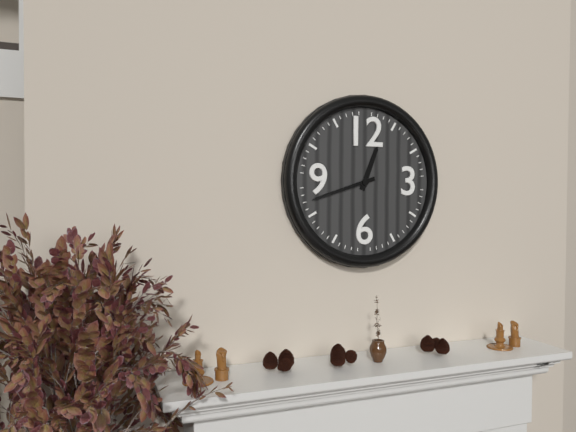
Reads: 12:42
